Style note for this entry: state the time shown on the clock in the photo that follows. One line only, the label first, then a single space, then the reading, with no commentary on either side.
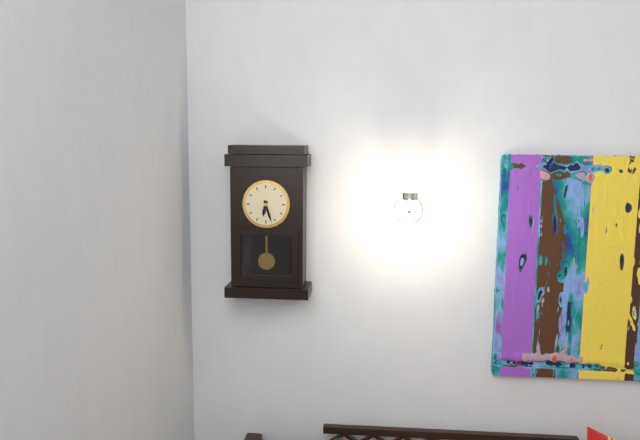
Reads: 6:27
